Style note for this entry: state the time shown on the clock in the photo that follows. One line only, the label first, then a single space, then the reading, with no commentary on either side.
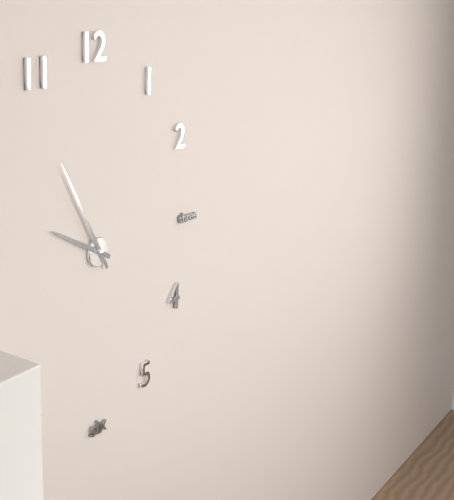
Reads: 9:55
